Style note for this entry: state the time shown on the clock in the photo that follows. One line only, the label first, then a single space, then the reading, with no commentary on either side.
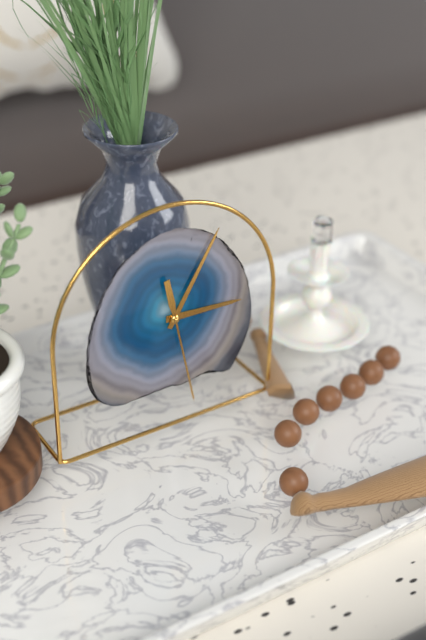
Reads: 3:05:28
